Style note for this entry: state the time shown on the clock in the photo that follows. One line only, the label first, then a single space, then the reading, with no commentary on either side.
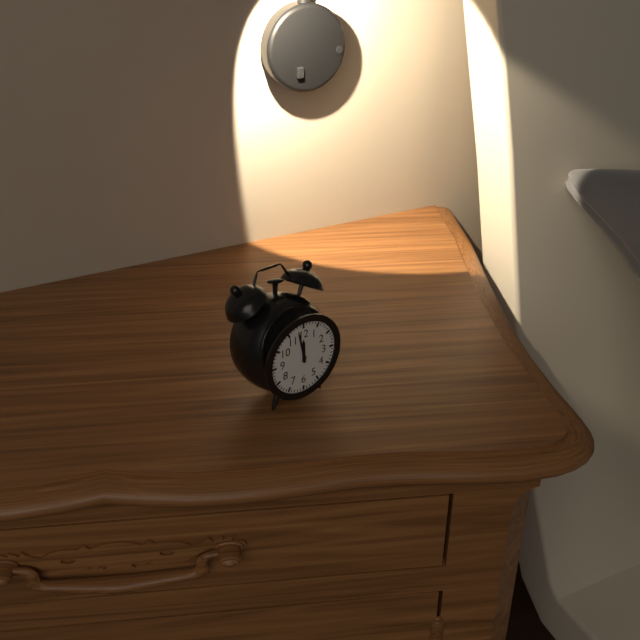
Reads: 11:58
